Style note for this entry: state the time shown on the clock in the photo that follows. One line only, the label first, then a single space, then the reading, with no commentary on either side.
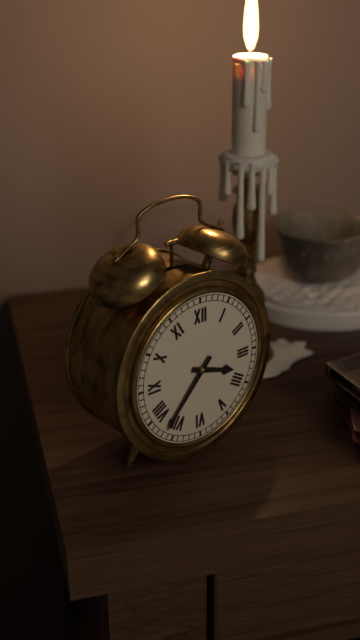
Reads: 3:37
